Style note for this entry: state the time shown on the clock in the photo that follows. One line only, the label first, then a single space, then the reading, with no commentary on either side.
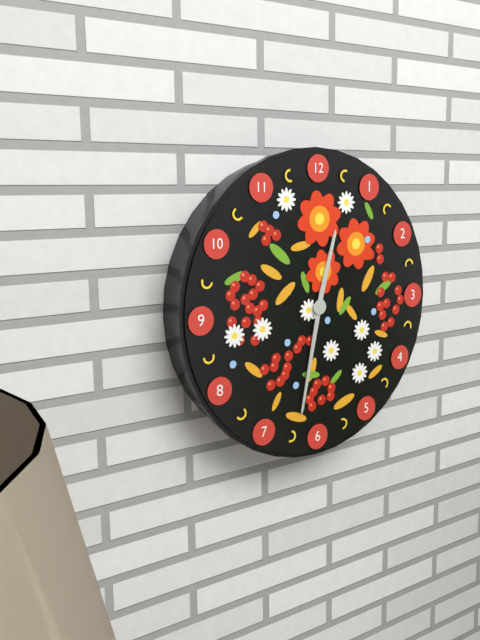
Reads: 12:32
